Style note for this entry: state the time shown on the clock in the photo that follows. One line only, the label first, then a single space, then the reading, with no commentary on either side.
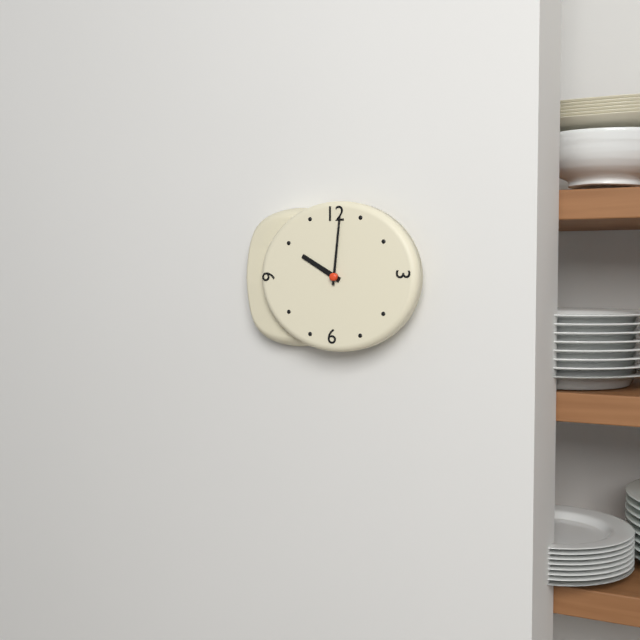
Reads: 10:01
